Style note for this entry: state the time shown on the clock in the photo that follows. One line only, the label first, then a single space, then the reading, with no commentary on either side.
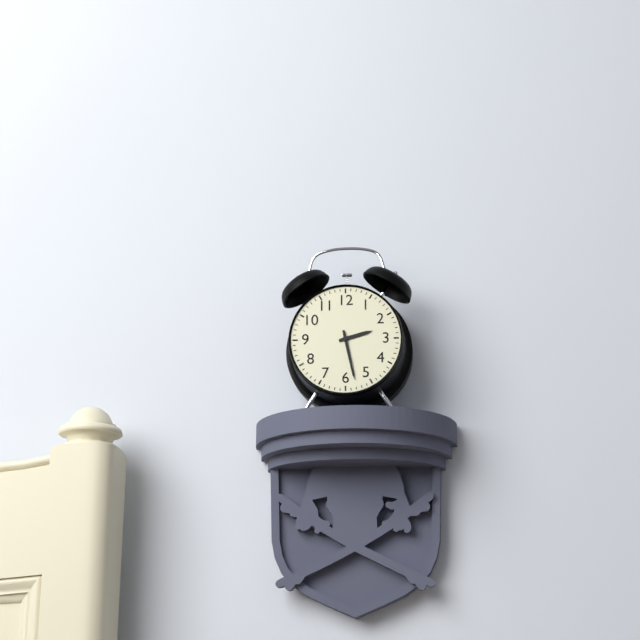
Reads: 2:28
